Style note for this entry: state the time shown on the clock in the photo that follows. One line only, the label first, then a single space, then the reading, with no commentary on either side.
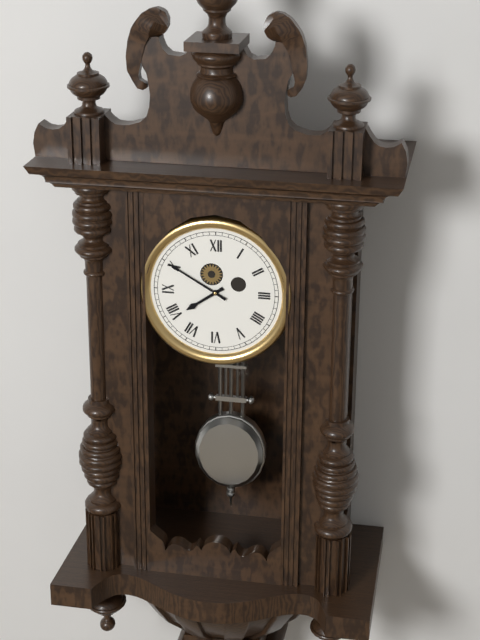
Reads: 7:50
